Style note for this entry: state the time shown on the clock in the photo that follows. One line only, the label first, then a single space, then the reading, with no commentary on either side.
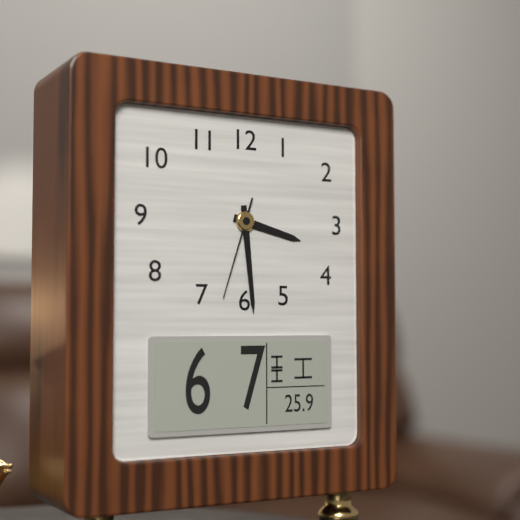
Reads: 3:29:33
